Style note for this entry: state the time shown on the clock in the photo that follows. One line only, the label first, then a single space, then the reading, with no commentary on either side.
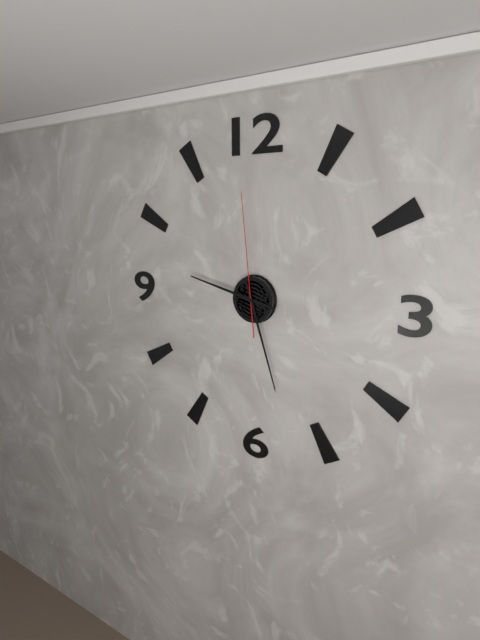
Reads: 9:27:59
